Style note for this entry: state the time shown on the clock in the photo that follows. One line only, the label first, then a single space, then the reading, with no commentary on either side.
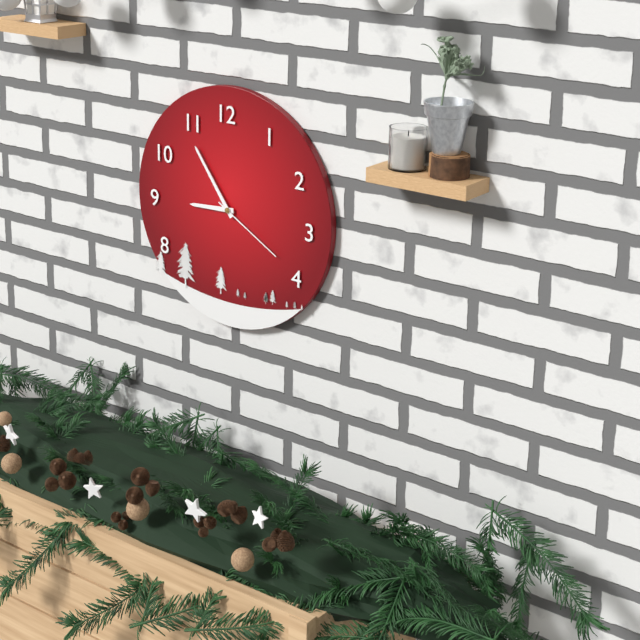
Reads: 8:54:20
